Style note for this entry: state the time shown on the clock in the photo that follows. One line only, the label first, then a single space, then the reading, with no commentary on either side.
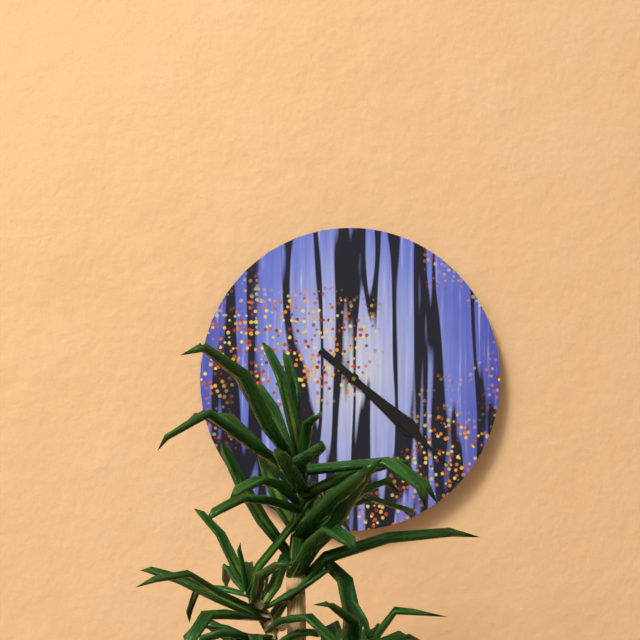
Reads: 4:22
